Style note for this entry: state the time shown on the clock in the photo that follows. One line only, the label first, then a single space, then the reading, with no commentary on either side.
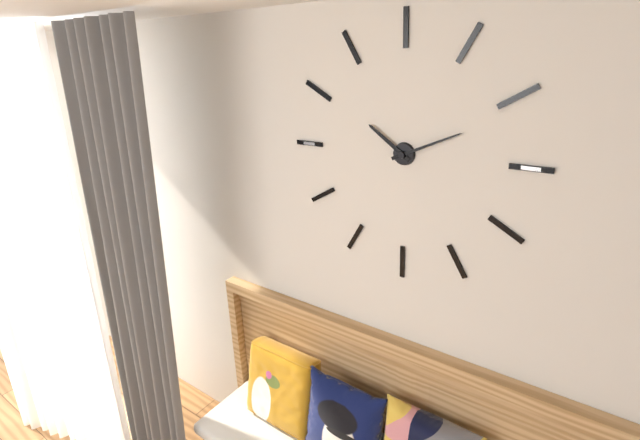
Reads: 10:11
